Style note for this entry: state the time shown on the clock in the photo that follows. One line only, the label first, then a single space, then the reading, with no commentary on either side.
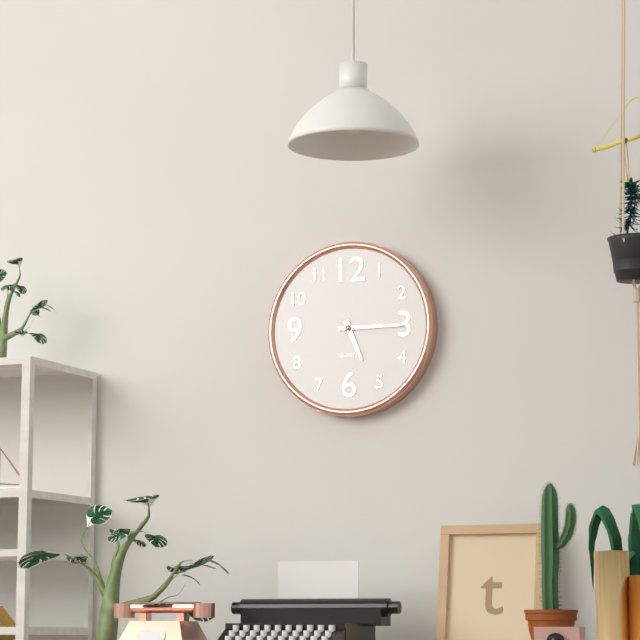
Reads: 5:15
